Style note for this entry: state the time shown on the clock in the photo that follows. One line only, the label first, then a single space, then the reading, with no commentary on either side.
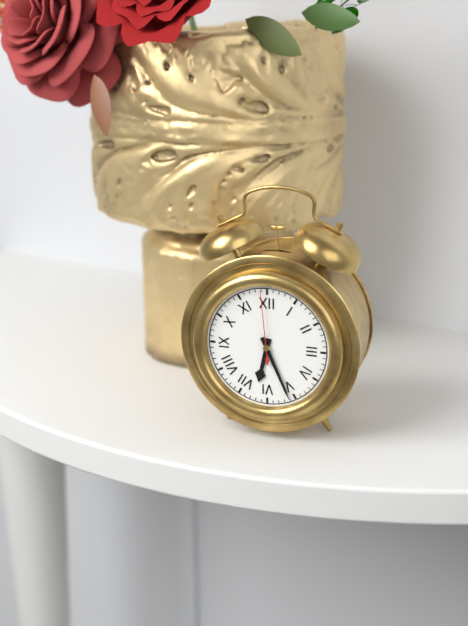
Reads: 6:26:59
